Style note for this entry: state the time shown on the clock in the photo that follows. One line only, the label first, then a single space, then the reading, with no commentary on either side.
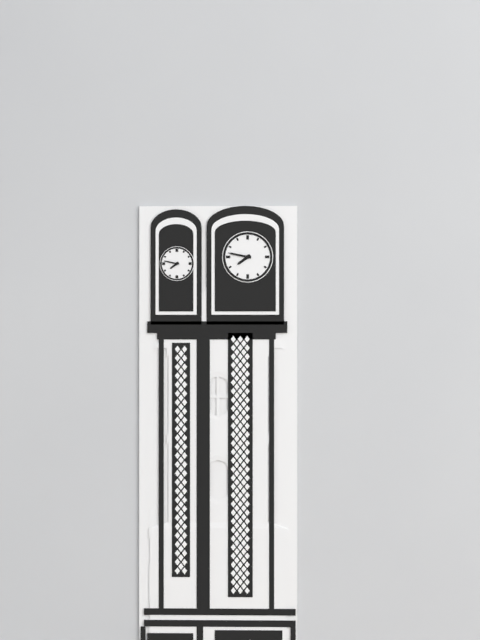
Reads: 7:47
